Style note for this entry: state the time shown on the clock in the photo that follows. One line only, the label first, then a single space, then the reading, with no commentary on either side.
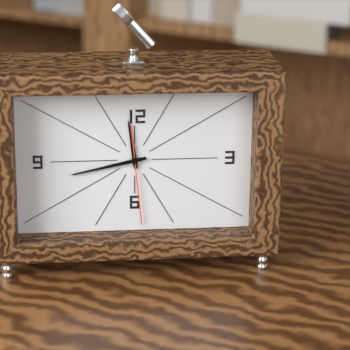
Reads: 11:43:29
